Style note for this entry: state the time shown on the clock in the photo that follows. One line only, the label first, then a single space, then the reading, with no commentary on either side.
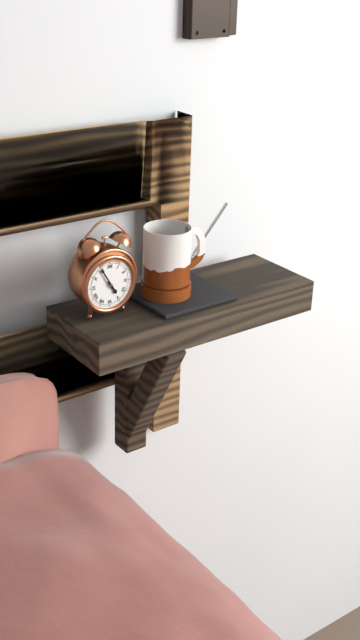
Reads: 4:55
